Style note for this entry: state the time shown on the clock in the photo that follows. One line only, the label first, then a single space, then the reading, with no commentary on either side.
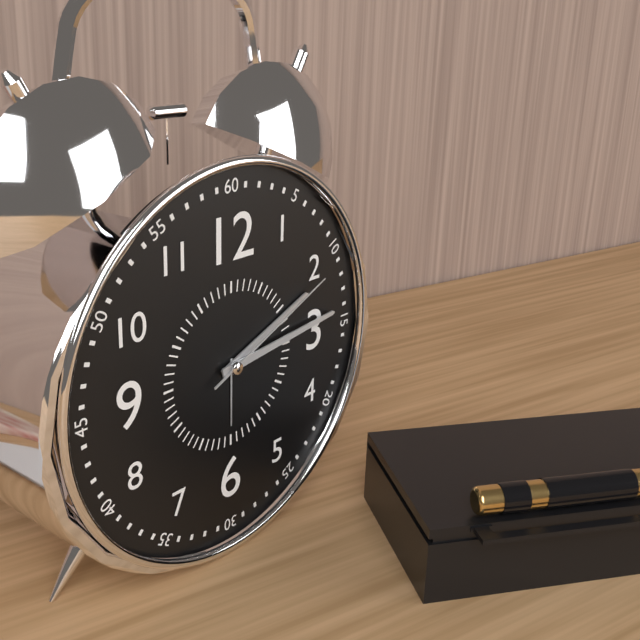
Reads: 2:14:11
